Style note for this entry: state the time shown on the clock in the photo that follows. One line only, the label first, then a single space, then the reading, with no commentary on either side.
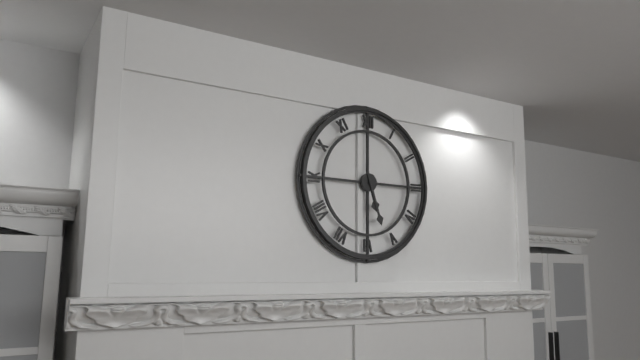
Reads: 5:27
